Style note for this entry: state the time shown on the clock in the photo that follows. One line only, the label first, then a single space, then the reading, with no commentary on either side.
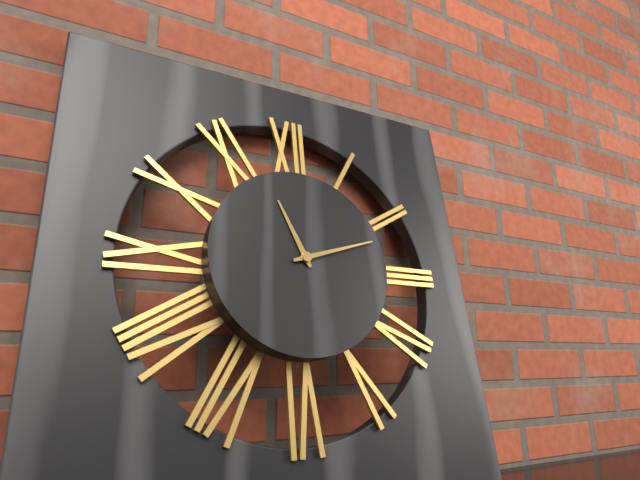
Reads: 11:12
